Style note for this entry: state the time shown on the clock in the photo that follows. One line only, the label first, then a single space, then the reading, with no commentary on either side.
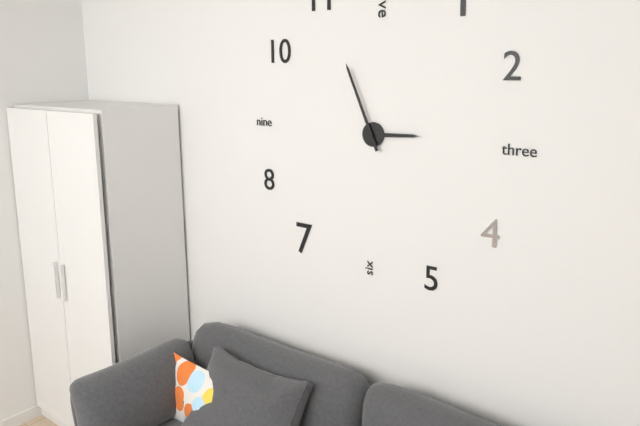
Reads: 2:56
